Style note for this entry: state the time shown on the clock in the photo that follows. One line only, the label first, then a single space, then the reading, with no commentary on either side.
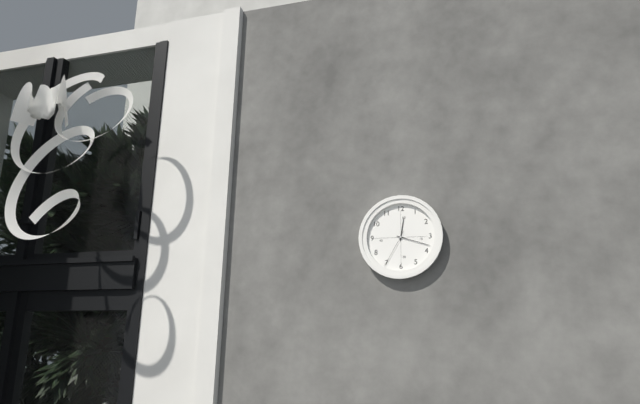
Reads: 12:18
